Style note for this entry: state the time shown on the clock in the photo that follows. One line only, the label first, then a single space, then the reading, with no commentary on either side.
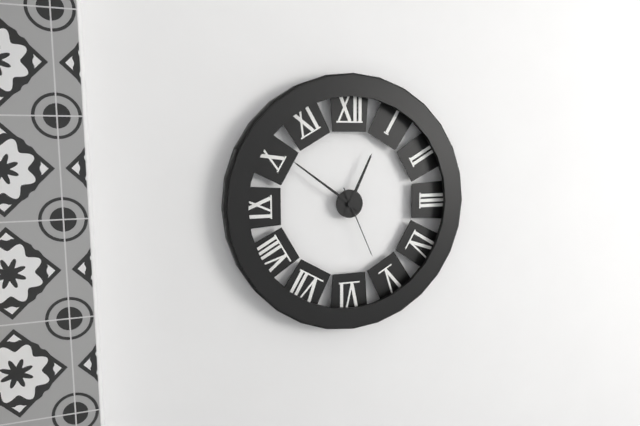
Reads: 12:51:26
